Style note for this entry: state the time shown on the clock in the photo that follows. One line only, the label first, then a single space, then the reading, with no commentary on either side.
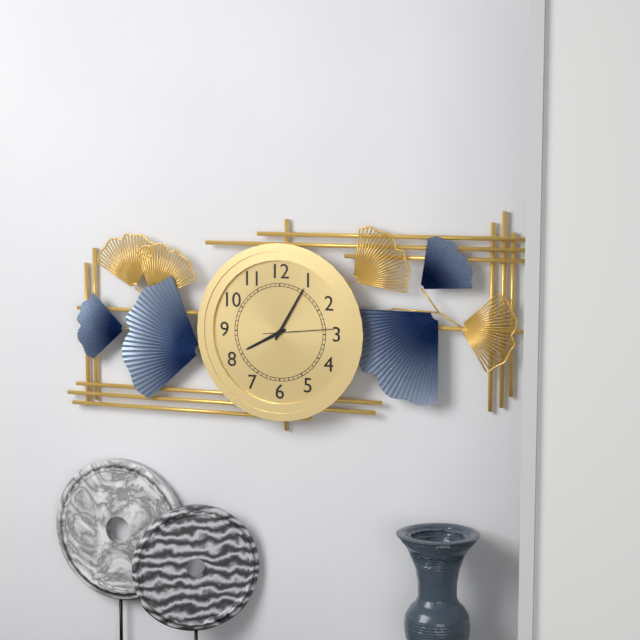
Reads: 8:05:14
